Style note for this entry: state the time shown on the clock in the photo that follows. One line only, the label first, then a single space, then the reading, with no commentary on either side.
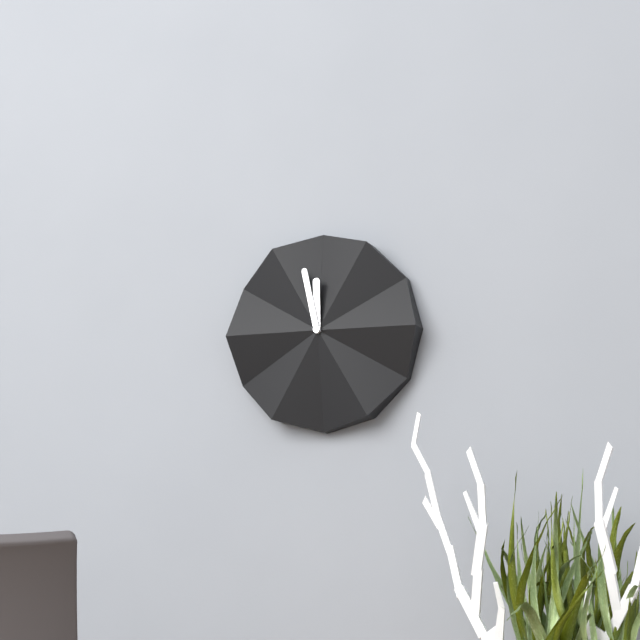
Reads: 11:58
